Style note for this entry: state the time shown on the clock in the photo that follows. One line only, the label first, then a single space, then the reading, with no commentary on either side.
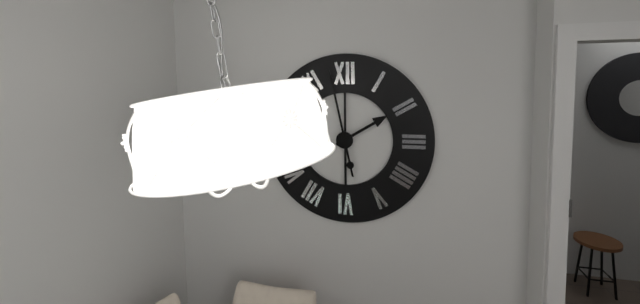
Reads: 1:58
